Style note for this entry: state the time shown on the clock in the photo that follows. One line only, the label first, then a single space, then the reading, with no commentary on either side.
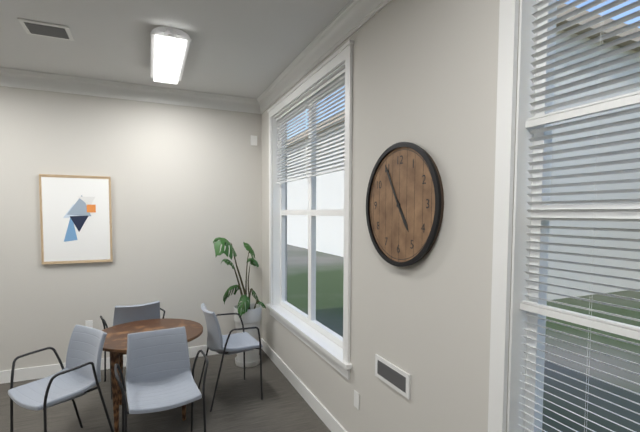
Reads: 4:55
